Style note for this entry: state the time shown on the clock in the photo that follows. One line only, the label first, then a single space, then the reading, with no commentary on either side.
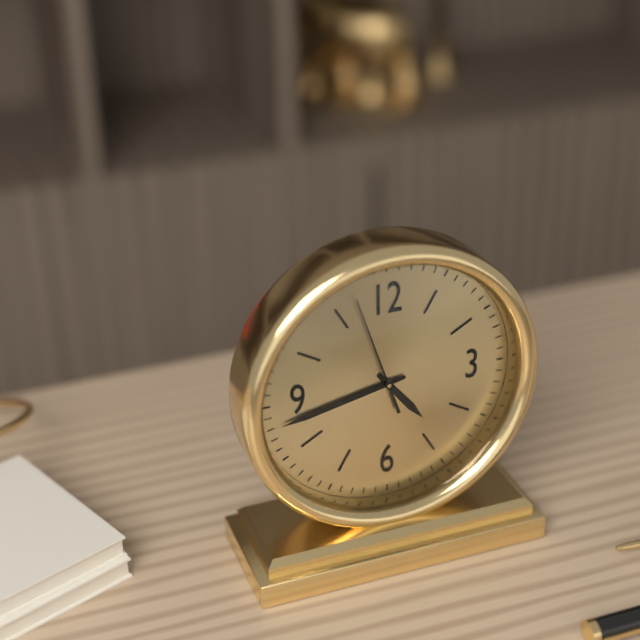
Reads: 4:43:57
